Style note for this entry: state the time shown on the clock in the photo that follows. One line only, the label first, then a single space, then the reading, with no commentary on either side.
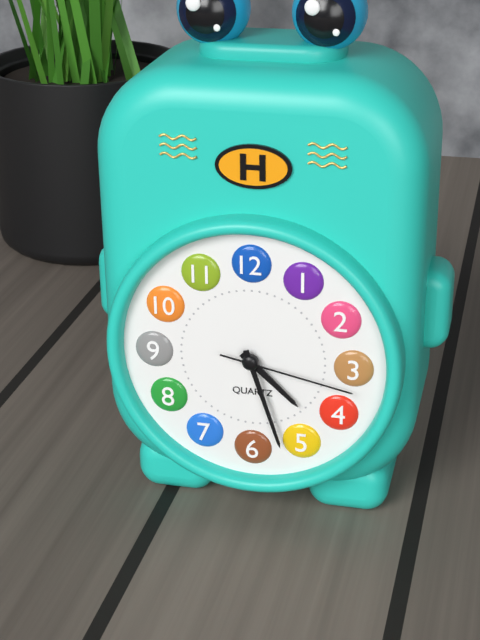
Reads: 4:27:17
